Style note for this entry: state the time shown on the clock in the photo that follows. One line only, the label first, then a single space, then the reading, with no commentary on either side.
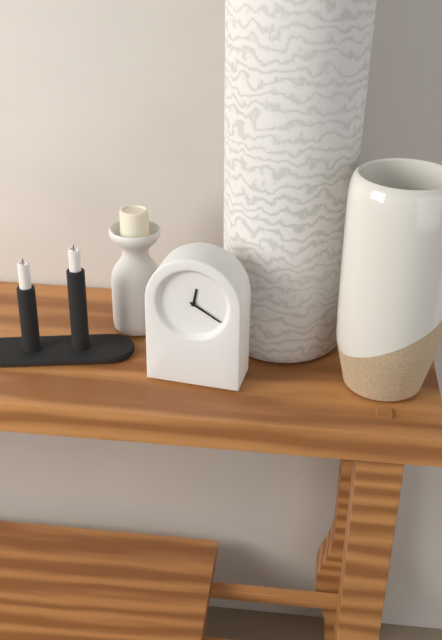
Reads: 12:20
